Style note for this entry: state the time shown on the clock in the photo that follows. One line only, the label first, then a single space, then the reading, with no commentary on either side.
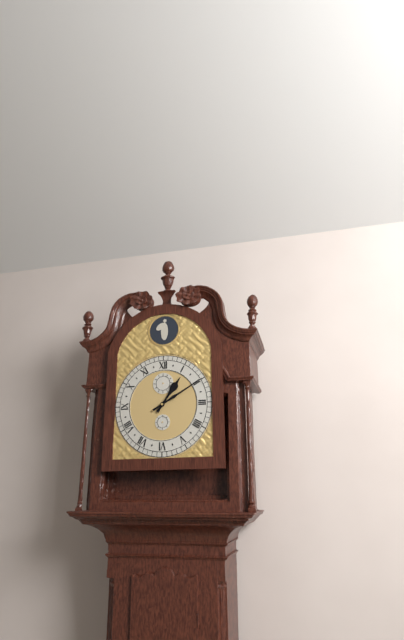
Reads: 1:10
